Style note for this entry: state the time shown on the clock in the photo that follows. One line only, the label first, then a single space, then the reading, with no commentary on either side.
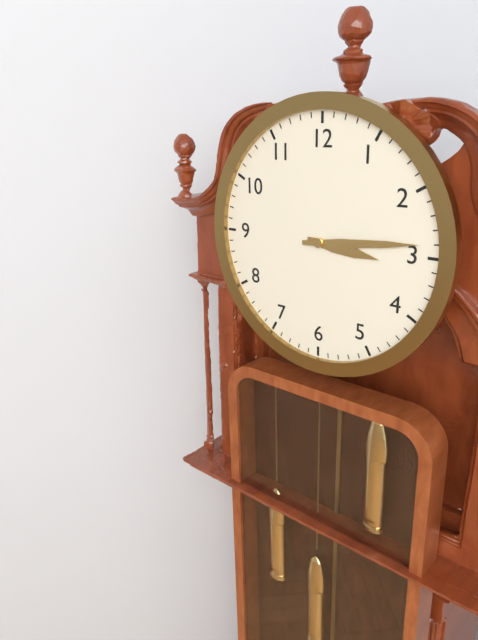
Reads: 3:14
